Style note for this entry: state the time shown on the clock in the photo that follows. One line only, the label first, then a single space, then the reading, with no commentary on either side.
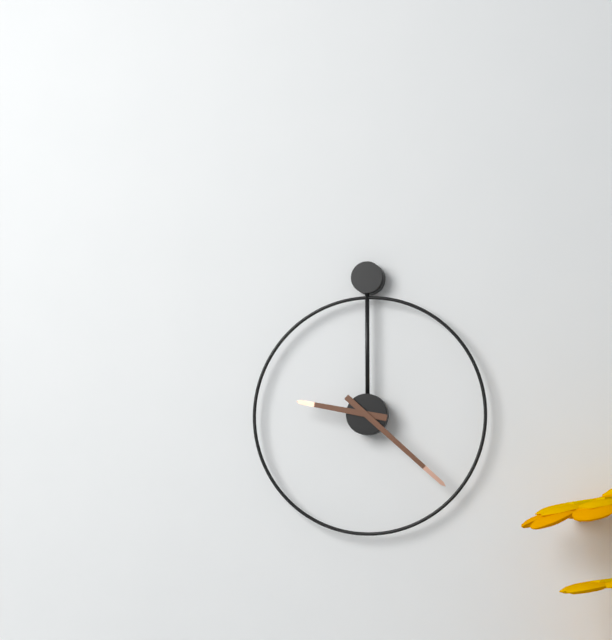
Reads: 9:22
